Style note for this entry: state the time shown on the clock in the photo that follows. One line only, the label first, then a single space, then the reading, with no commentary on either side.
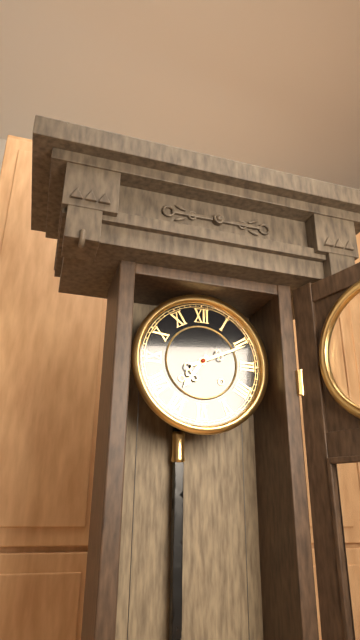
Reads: 7:11
